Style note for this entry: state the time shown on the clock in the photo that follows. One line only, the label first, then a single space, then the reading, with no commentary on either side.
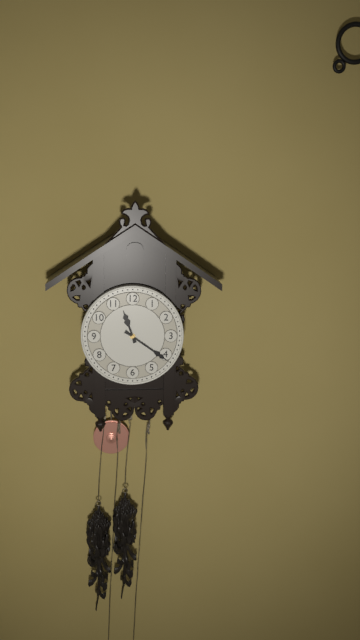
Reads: 11:21
